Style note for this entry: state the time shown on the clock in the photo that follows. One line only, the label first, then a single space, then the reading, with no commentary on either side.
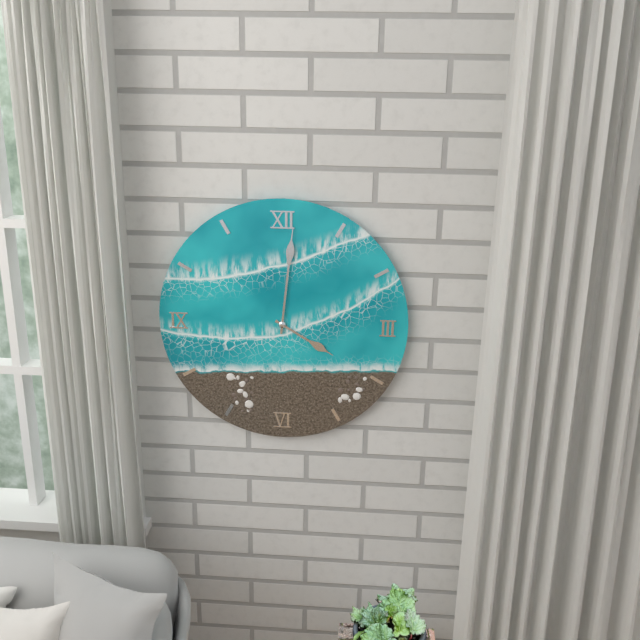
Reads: 4:01
